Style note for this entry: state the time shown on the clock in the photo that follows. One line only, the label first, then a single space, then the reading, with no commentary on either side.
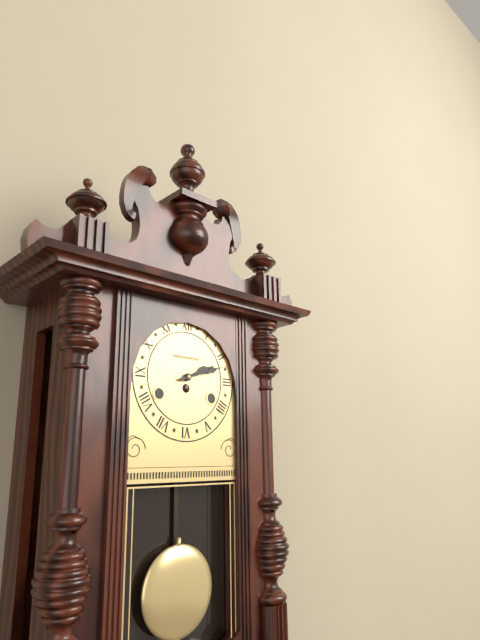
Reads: 2:12
